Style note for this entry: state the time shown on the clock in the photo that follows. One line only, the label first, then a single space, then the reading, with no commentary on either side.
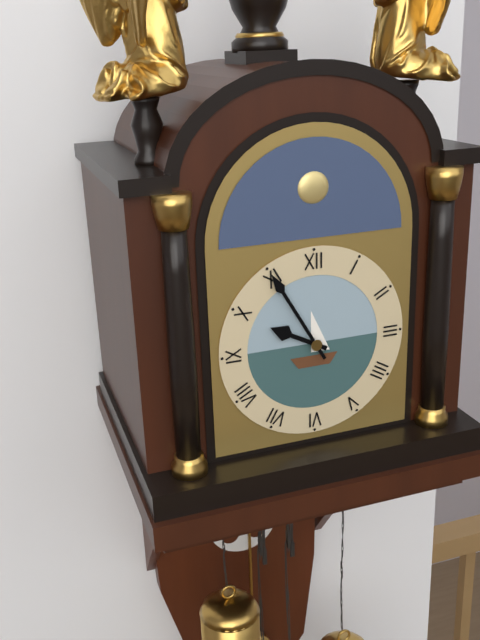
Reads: 9:55
